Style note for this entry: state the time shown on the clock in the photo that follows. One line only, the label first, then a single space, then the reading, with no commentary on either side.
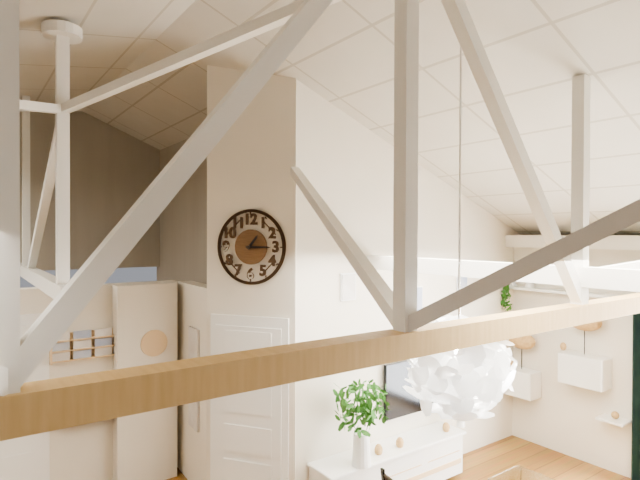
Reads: 1:15
